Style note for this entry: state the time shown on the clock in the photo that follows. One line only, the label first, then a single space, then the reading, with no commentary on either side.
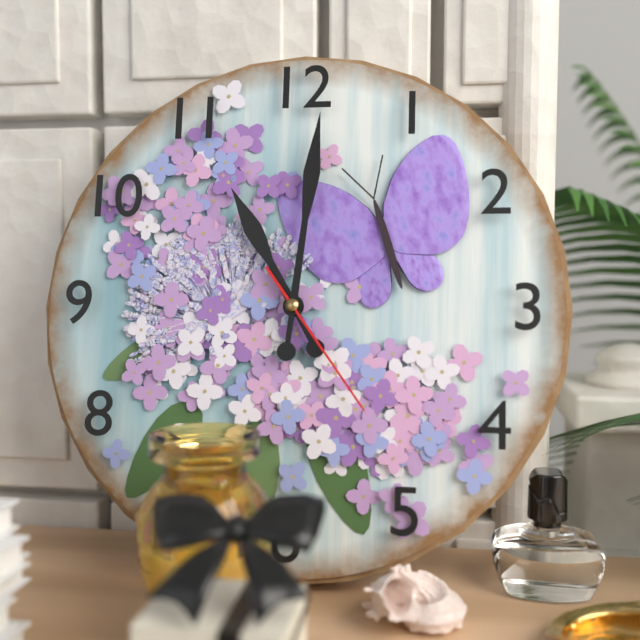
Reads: 11:01:24
